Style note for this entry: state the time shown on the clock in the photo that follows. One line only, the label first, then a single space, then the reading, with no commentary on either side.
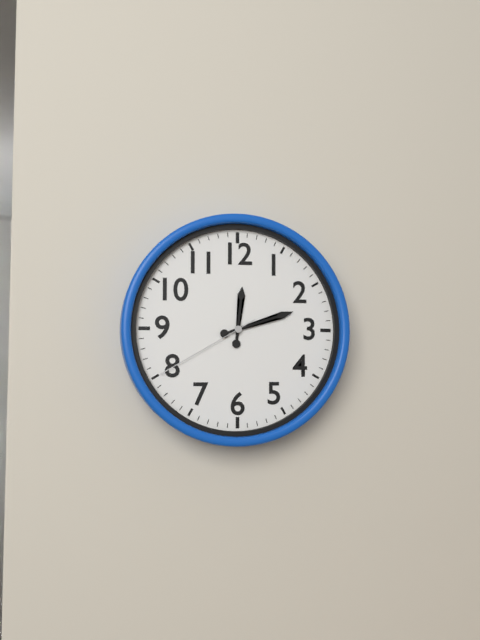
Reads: 12:12:40
